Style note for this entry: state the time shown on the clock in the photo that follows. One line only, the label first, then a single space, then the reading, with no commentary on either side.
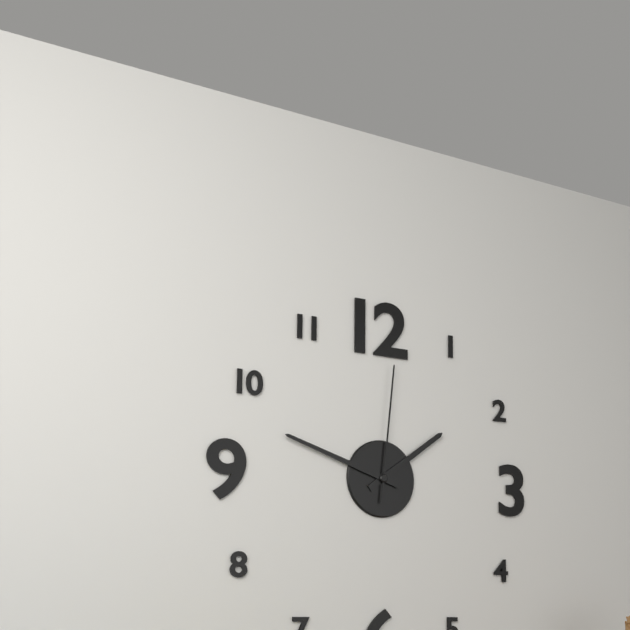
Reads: 1:48:01
